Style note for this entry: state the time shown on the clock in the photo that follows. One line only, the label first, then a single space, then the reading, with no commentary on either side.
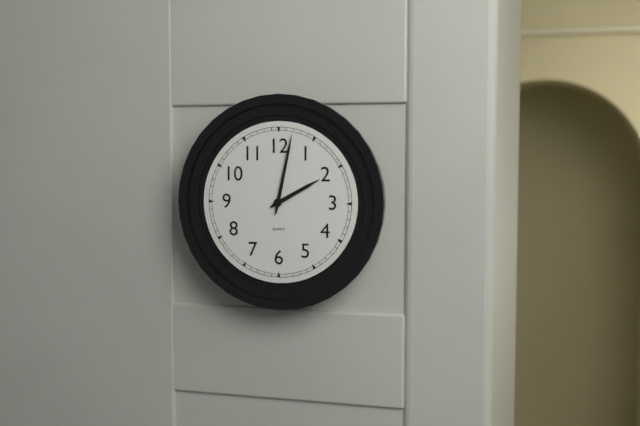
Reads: 2:02
